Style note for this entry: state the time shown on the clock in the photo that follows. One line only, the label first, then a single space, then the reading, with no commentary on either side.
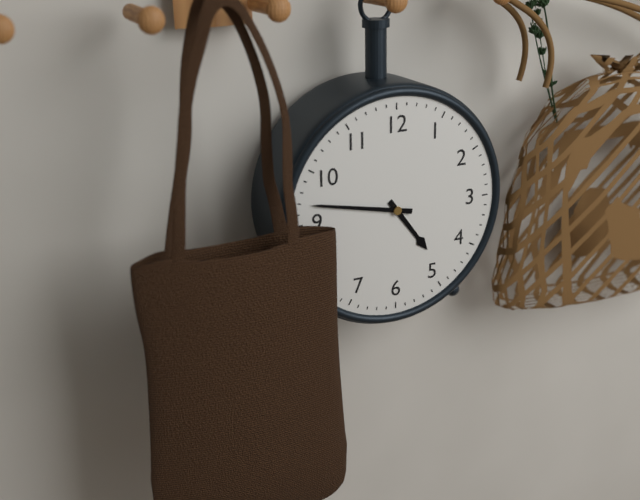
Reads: 4:47
